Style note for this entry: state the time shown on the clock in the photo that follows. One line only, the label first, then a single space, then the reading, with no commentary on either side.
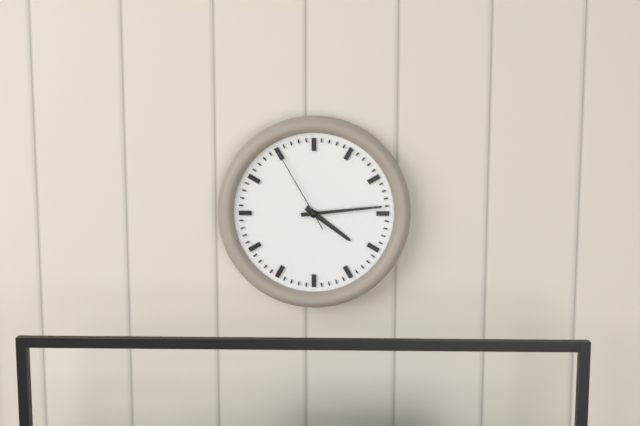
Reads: 4:14:55
